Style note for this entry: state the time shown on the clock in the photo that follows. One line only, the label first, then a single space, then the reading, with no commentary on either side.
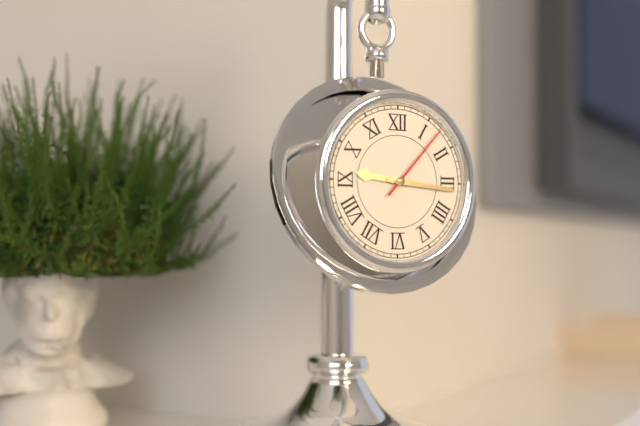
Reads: 9:16:07
